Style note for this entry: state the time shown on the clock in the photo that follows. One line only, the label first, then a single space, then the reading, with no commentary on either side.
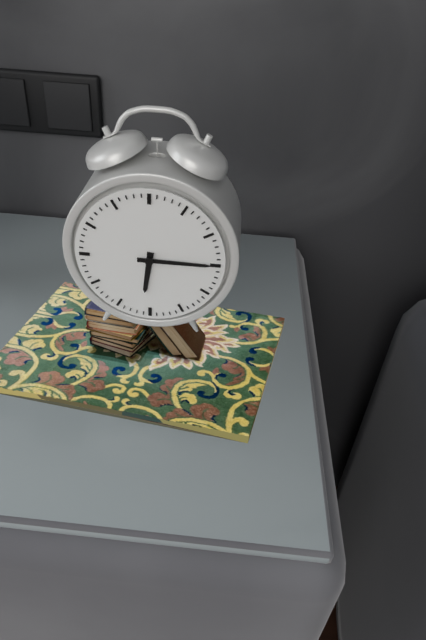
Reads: 6:15
